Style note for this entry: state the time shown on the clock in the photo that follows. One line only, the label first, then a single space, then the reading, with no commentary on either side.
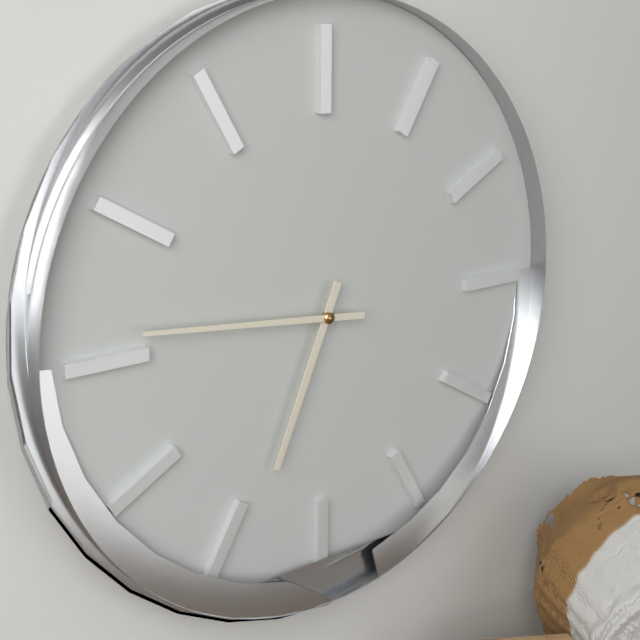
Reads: 6:46
